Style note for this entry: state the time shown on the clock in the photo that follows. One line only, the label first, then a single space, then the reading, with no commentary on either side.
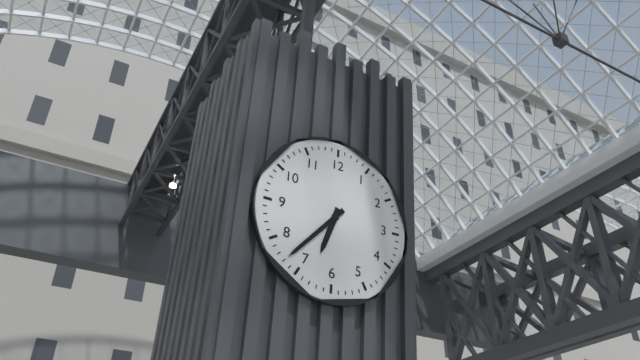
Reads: 6:37
